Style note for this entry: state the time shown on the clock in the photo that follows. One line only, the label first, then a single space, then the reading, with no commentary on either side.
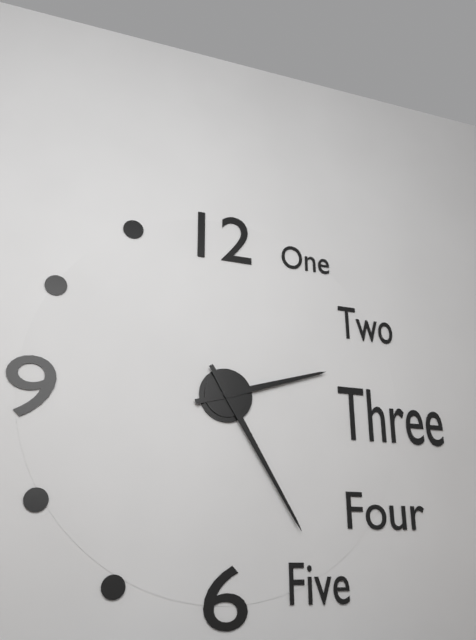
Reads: 2:25
